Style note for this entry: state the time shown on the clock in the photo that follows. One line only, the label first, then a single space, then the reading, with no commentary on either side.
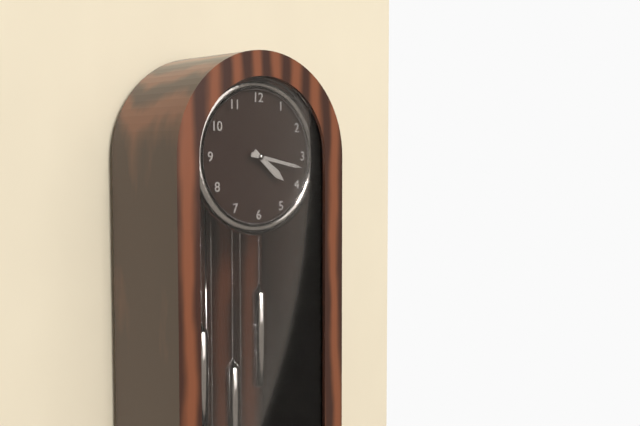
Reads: 4:17
